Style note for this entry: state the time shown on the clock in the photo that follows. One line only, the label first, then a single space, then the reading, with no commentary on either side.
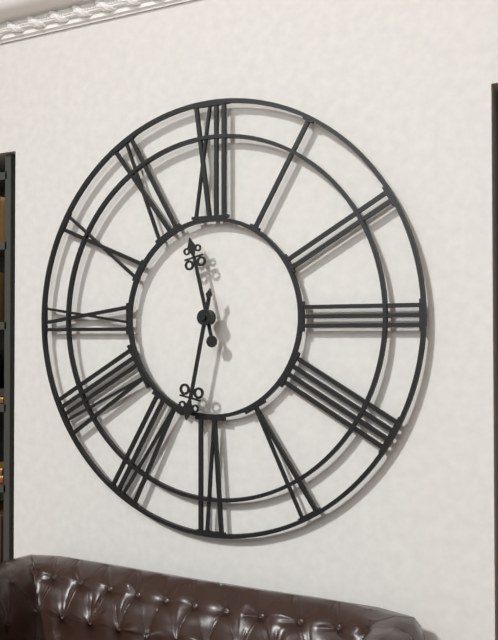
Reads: 11:32
